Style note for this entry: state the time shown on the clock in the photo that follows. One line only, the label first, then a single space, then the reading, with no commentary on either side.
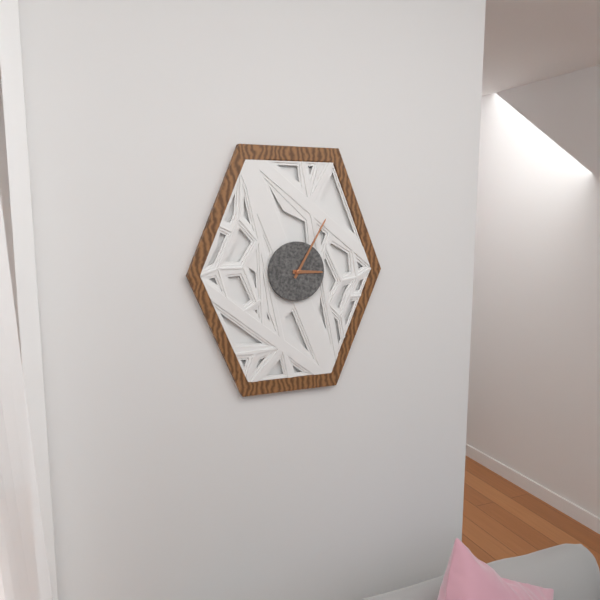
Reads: 3:05
